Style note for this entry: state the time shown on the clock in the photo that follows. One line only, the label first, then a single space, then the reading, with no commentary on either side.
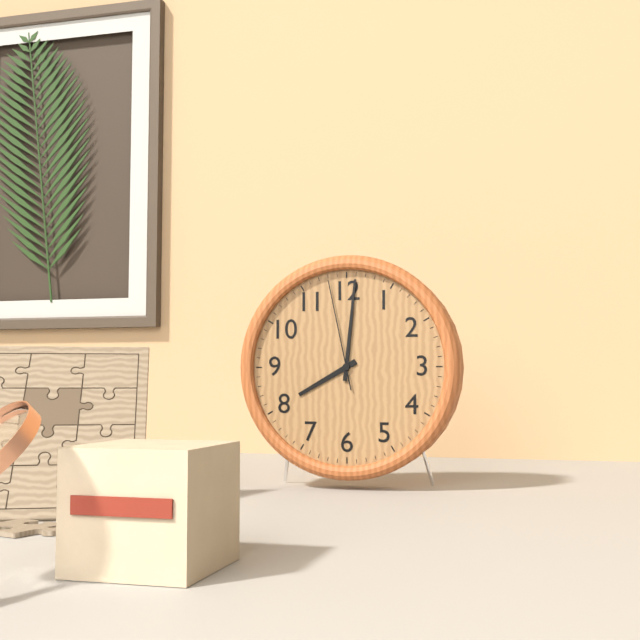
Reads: 8:01:58
